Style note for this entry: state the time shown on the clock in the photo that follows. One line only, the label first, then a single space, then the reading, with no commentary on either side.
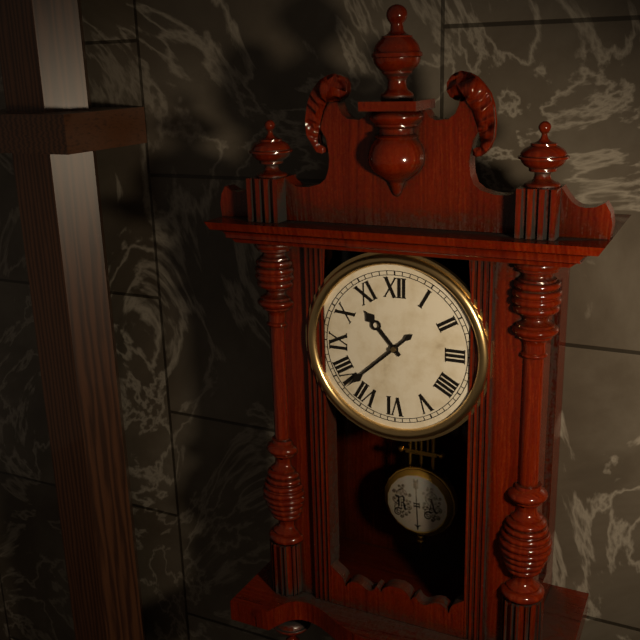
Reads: 10:38
